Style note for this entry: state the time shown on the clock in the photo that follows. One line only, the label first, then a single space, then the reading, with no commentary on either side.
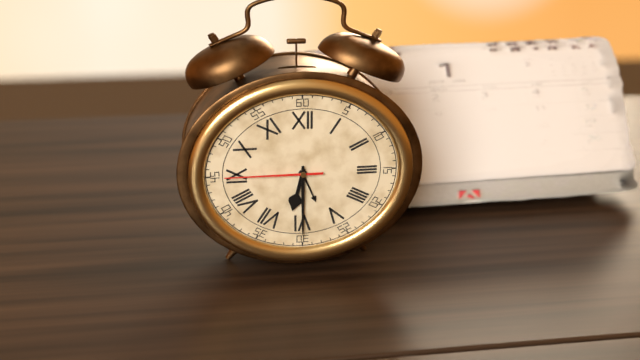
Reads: 6:30:45
